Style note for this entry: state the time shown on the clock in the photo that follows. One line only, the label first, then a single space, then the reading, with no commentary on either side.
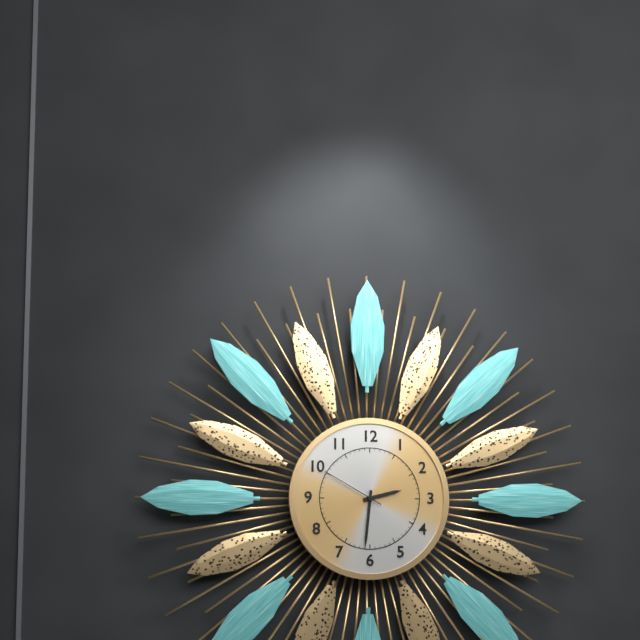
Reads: 2:31:50
